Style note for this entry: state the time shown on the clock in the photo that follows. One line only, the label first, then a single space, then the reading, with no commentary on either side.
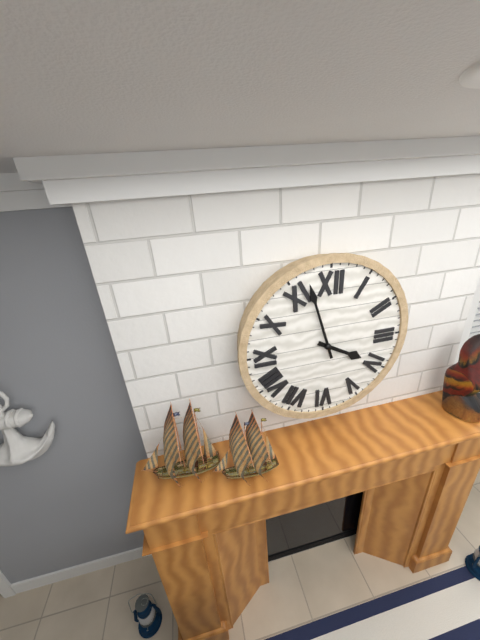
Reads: 3:57
